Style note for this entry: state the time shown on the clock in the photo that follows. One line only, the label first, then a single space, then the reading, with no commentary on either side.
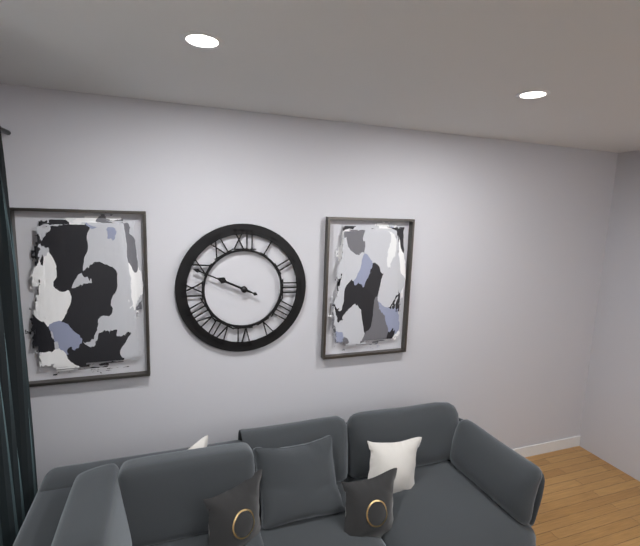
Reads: 9:49
